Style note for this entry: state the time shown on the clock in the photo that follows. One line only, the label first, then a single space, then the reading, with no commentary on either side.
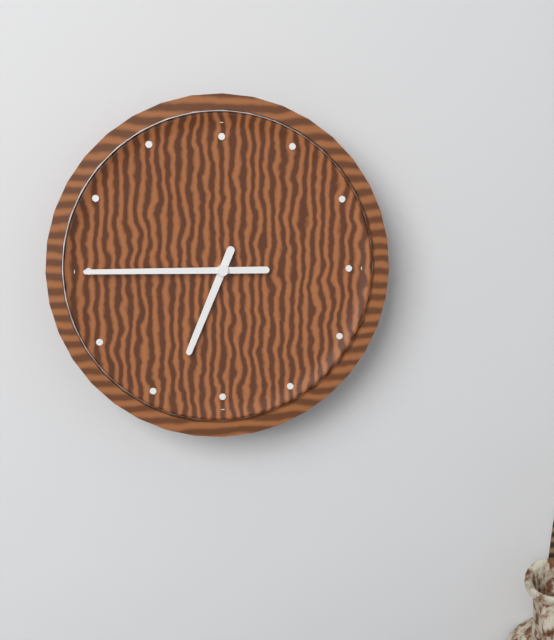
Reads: 6:45
